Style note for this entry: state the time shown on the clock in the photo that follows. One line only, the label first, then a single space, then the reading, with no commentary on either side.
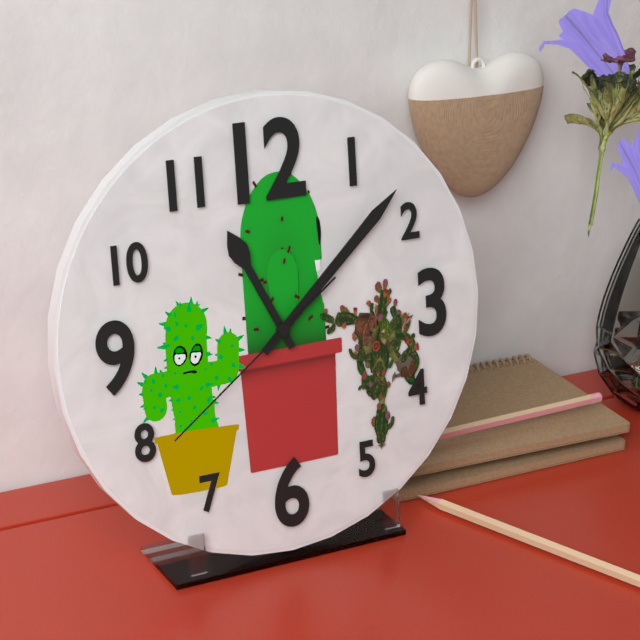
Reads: 11:08:39
